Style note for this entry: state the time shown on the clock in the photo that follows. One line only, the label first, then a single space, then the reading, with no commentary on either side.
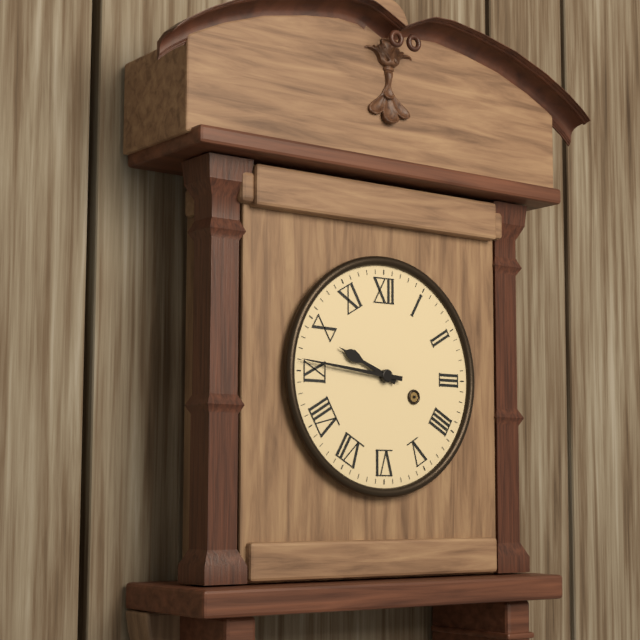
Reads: 9:46
